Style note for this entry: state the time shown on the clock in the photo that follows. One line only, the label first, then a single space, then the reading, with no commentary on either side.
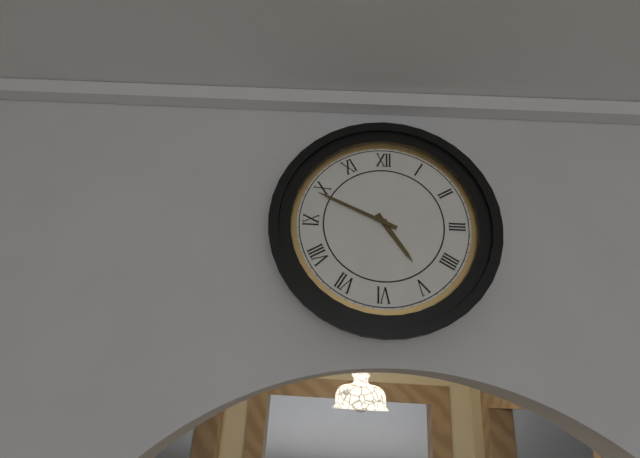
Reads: 4:49
